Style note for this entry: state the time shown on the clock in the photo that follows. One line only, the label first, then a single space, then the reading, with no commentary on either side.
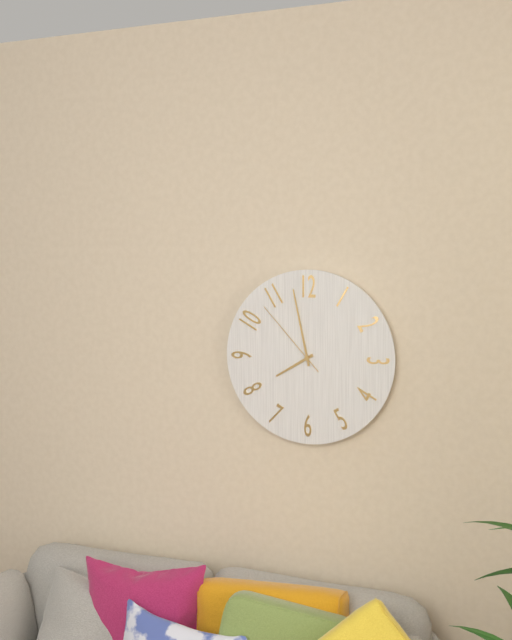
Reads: 7:58:53
